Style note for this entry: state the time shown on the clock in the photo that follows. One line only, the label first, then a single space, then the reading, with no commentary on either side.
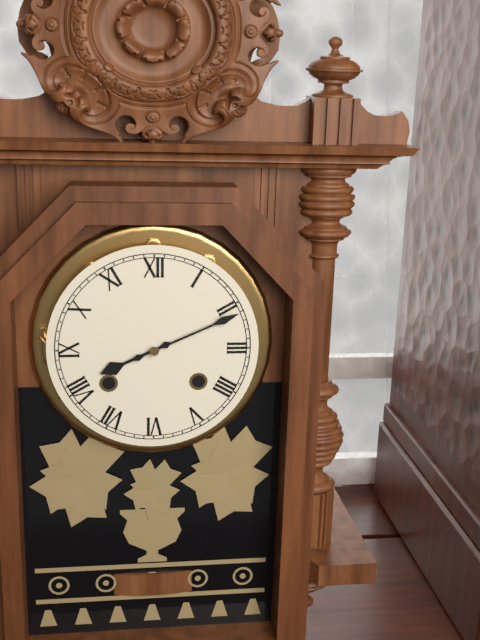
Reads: 8:11
